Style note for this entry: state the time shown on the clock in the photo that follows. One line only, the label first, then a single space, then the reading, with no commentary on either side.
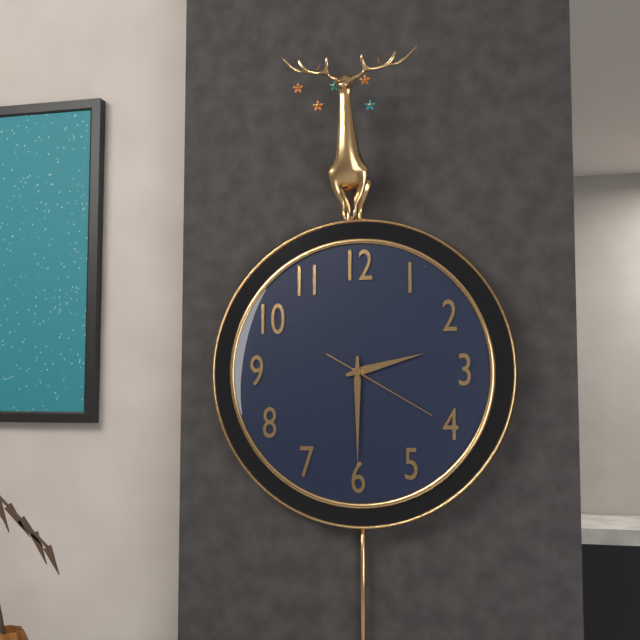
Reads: 2:30:20
